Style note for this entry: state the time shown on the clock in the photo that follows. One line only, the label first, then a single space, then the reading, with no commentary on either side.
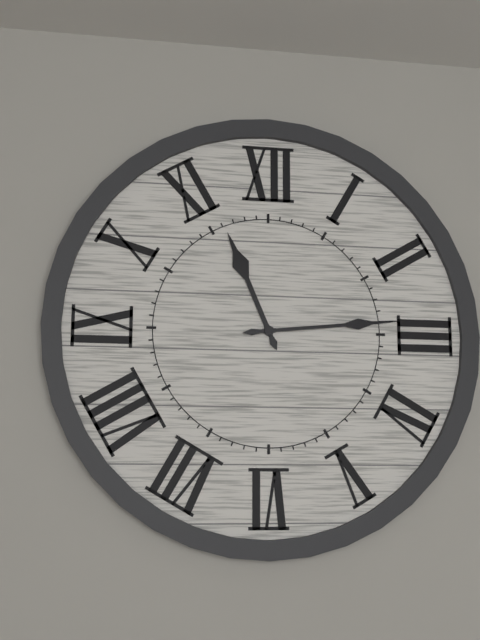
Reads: 11:14
